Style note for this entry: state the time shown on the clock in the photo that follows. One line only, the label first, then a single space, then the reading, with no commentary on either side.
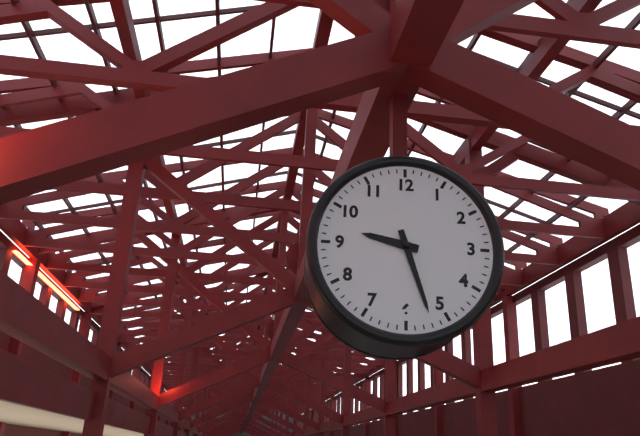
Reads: 9:27
